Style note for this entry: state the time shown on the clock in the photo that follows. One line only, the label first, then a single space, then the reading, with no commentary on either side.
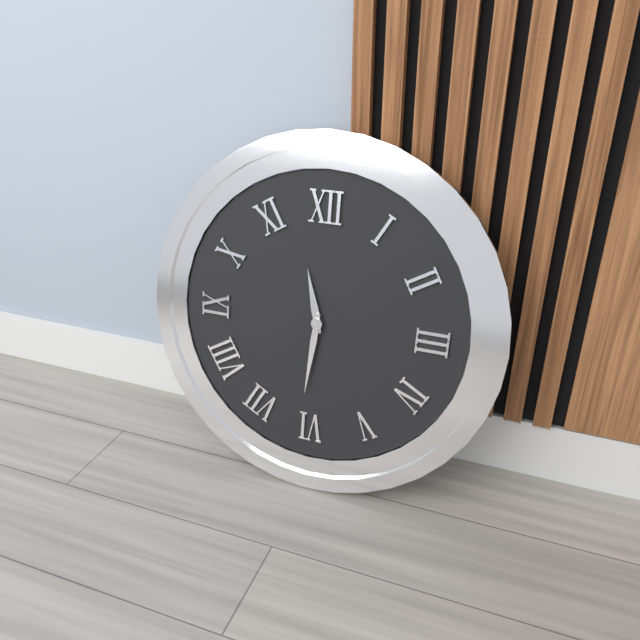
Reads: 11:31
